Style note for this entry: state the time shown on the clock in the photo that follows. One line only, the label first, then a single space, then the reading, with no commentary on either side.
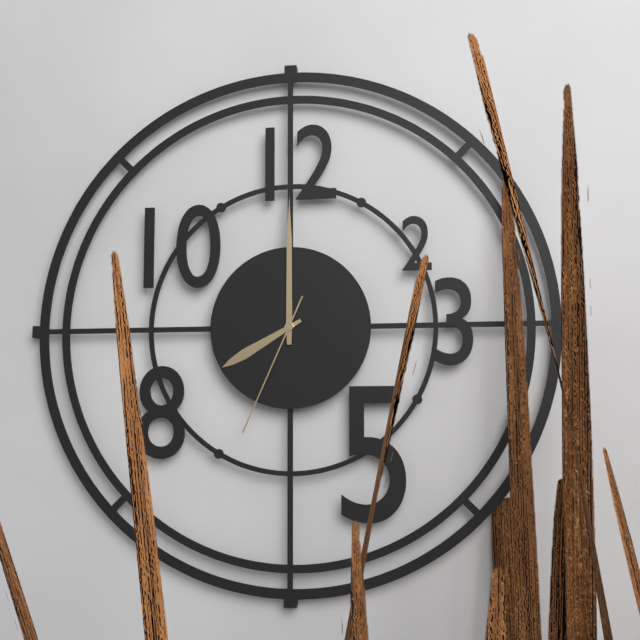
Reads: 8:00:34
